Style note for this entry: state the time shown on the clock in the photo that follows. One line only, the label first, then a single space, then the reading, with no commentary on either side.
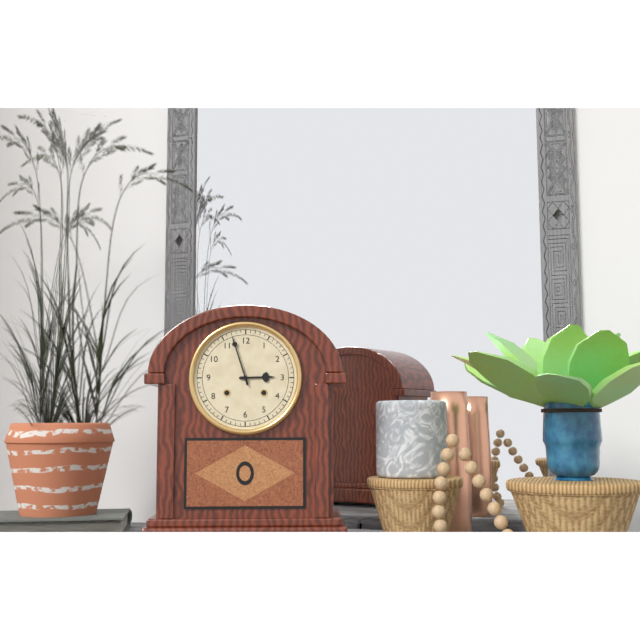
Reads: 2:57
